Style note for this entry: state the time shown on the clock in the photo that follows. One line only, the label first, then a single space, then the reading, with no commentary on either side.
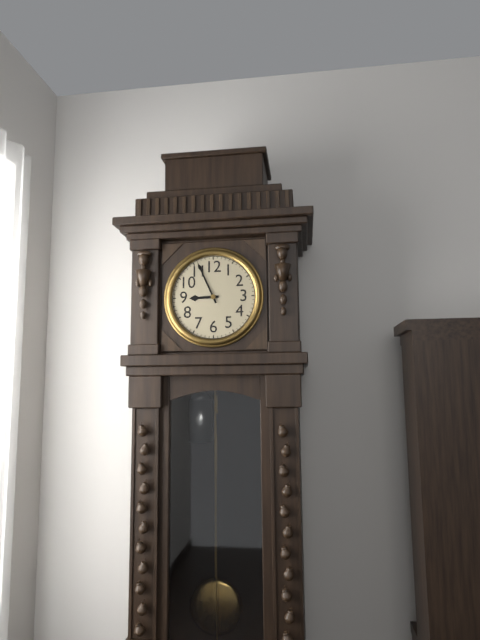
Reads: 8:56
